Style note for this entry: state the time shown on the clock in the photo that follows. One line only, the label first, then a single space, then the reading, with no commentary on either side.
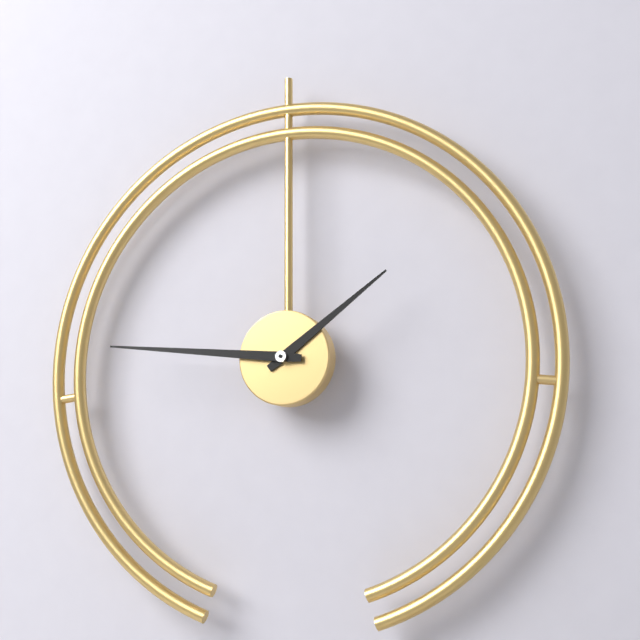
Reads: 1:46
